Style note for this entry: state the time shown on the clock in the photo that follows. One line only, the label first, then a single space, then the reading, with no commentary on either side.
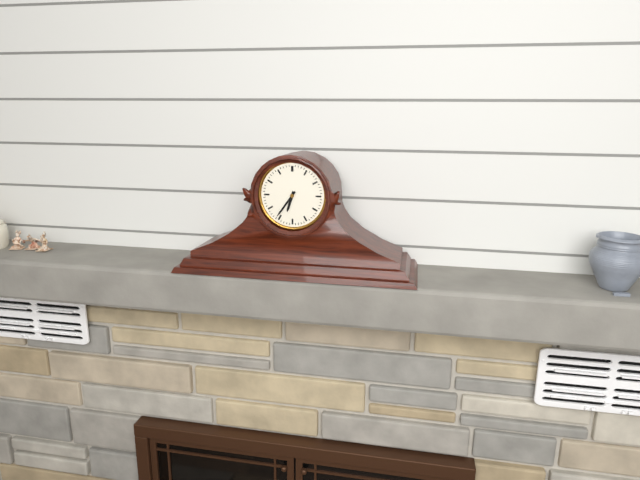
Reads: 6:36
